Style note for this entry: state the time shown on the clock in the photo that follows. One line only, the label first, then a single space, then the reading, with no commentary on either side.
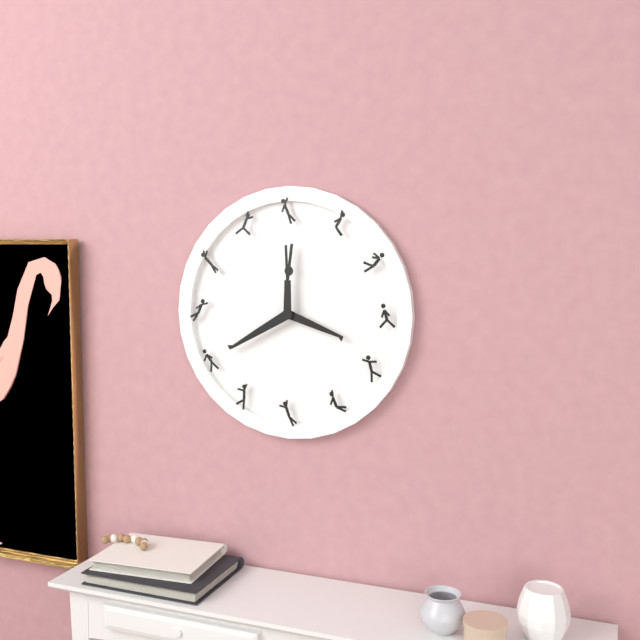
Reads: 3:40
